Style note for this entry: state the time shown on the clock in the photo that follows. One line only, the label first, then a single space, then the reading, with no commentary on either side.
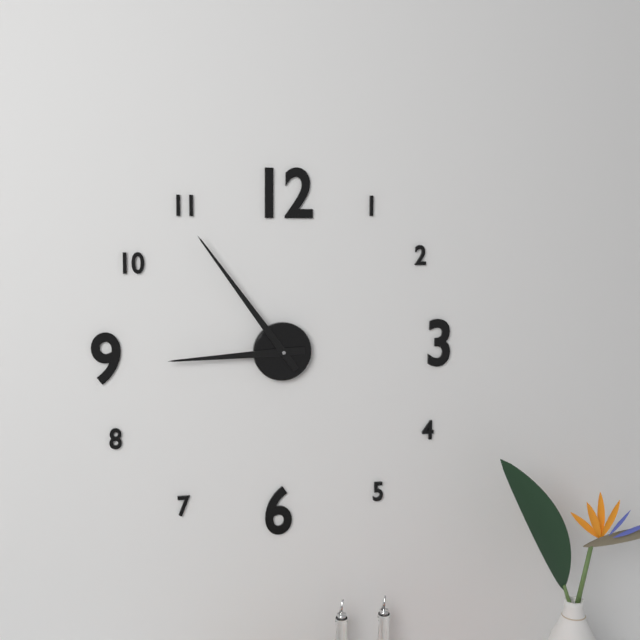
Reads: 8:54
